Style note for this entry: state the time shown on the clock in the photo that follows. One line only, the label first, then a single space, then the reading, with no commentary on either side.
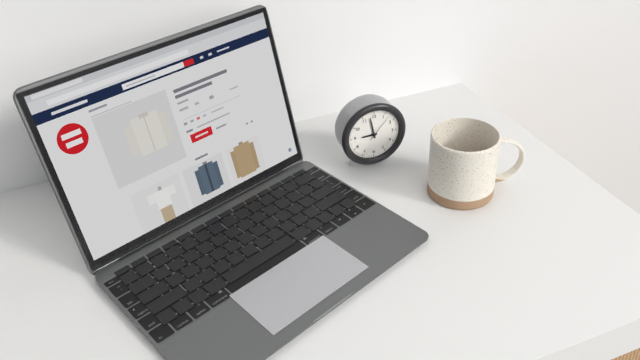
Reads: 8:58
